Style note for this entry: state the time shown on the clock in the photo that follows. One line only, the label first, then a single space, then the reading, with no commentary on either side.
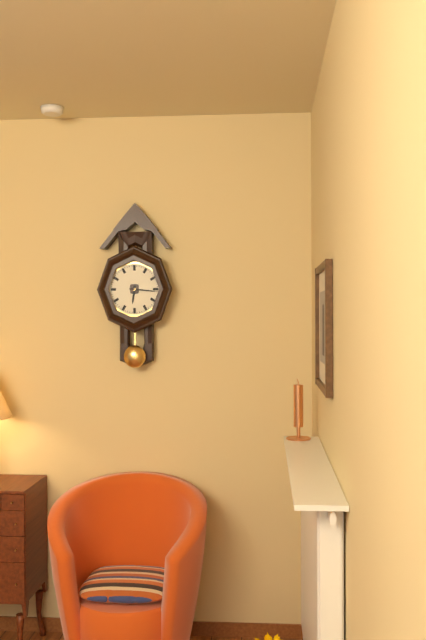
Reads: 6:16
